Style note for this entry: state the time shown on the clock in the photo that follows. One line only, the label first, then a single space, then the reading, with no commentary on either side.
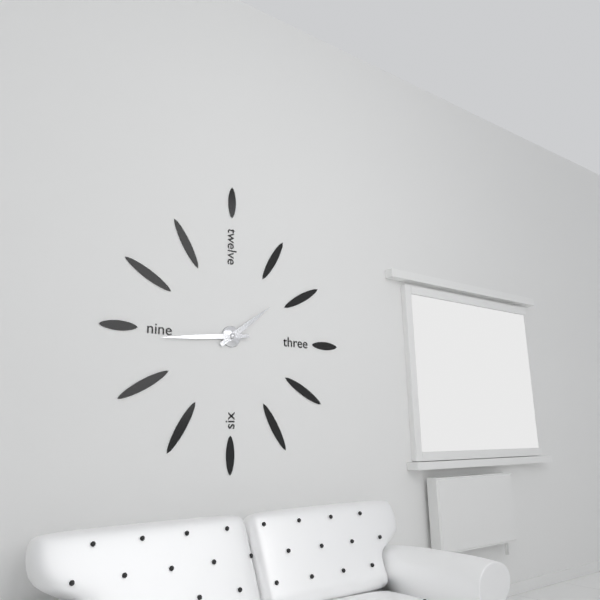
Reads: 1:44
